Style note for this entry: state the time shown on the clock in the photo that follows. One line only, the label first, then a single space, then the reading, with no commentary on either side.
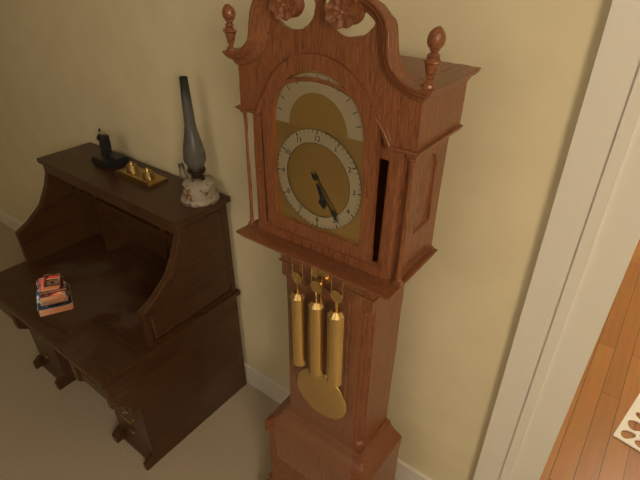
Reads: 5:24
